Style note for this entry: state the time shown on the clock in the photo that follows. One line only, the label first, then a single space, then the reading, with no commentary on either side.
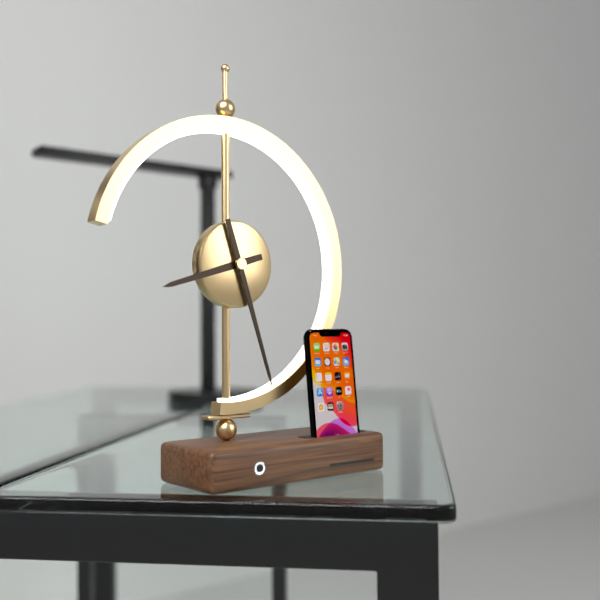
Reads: 8:27
